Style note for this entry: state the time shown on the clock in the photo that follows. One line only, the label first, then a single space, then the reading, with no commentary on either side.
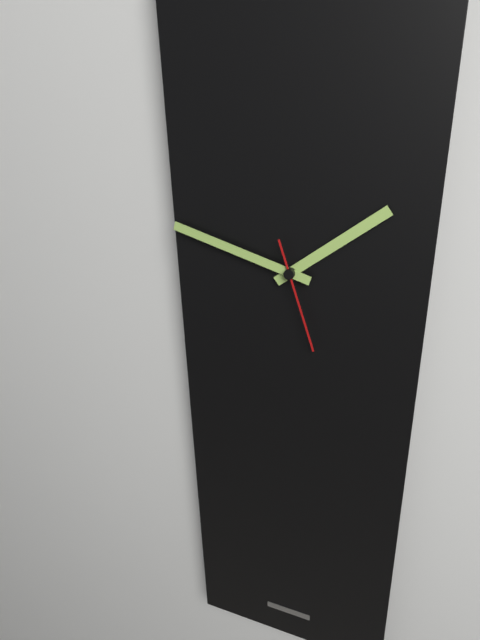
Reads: 1:48:27
